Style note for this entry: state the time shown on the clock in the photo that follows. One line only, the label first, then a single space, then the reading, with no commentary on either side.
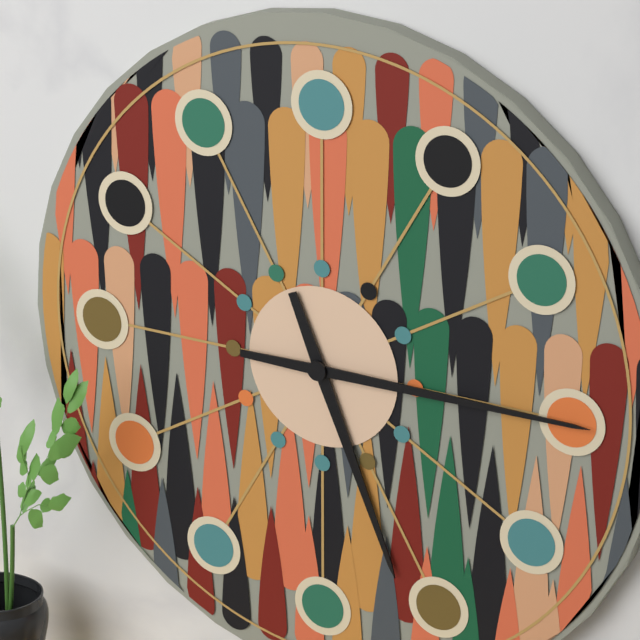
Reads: 5:15
